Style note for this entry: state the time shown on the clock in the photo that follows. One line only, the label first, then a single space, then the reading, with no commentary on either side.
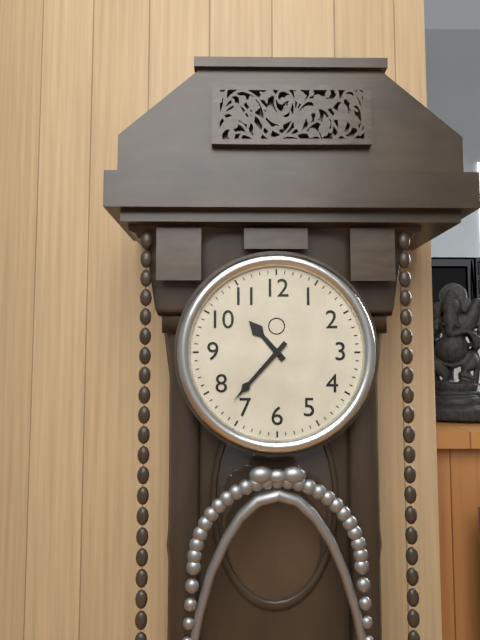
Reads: 10:37
